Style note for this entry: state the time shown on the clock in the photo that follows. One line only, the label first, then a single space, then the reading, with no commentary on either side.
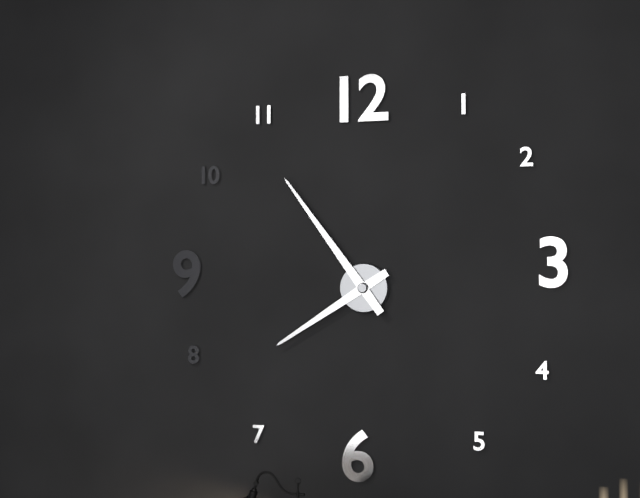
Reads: 7:54
